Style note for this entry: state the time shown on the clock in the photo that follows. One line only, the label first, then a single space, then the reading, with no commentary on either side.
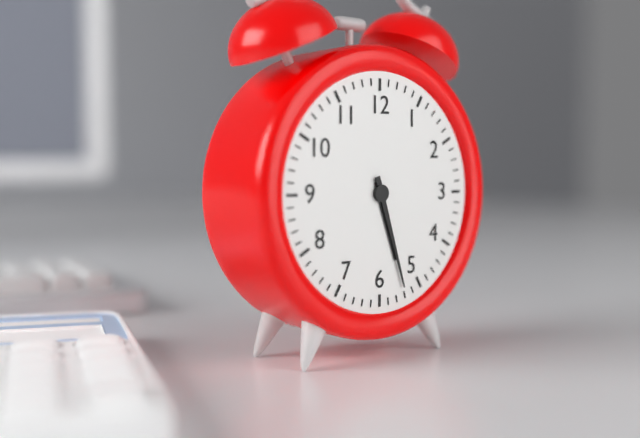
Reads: 5:27
